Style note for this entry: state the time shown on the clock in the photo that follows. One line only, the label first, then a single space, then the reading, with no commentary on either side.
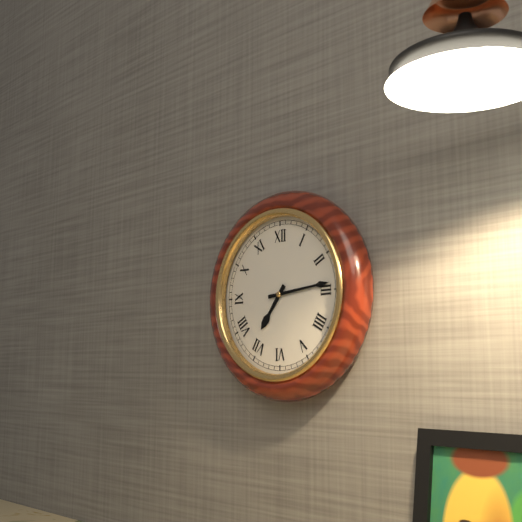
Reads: 7:14
